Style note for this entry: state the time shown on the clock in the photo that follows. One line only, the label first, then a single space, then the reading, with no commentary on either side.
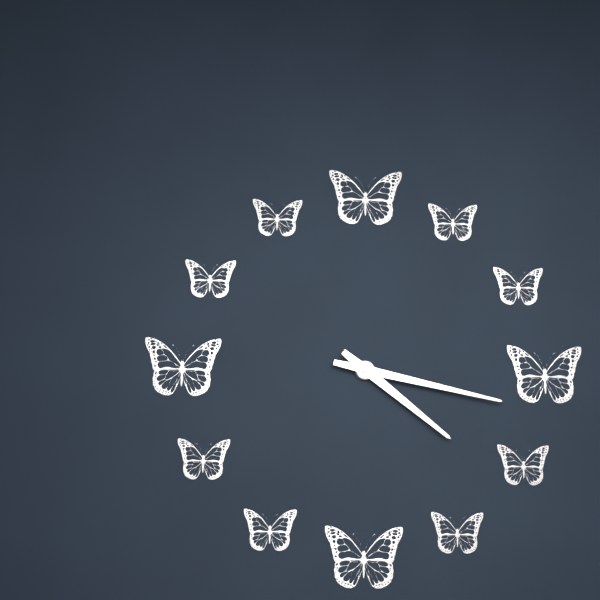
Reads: 4:17
